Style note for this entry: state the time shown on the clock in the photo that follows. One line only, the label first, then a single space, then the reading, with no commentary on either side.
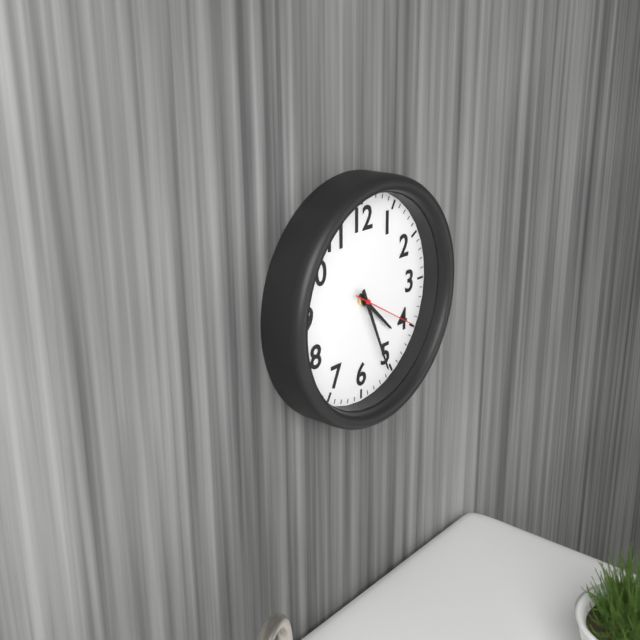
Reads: 4:26:20
